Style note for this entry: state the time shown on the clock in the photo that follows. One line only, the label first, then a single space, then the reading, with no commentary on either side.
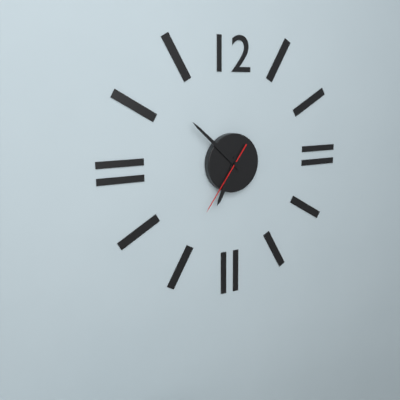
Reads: 6:52:36
